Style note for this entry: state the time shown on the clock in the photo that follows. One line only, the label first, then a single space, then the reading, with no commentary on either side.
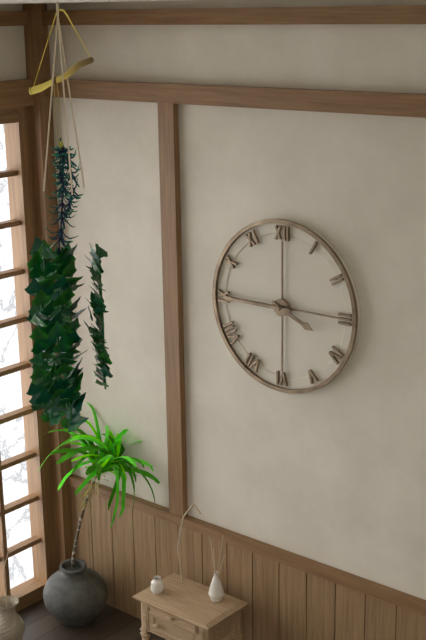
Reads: 3:45
